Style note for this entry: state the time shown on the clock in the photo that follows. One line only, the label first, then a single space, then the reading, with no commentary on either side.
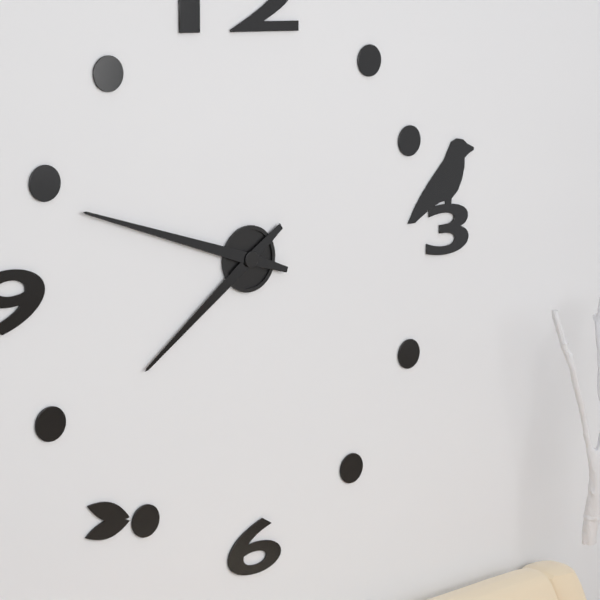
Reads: 7:48
